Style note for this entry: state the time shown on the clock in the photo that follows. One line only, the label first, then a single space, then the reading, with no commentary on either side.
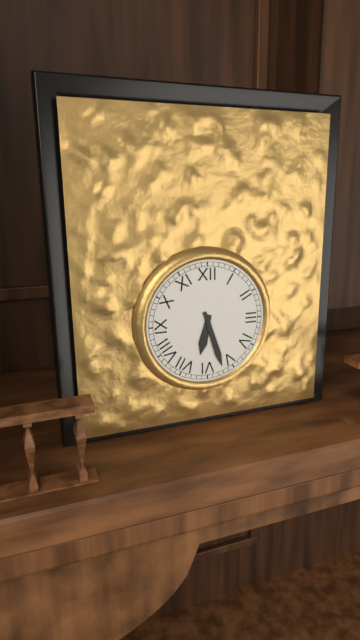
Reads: 6:27
